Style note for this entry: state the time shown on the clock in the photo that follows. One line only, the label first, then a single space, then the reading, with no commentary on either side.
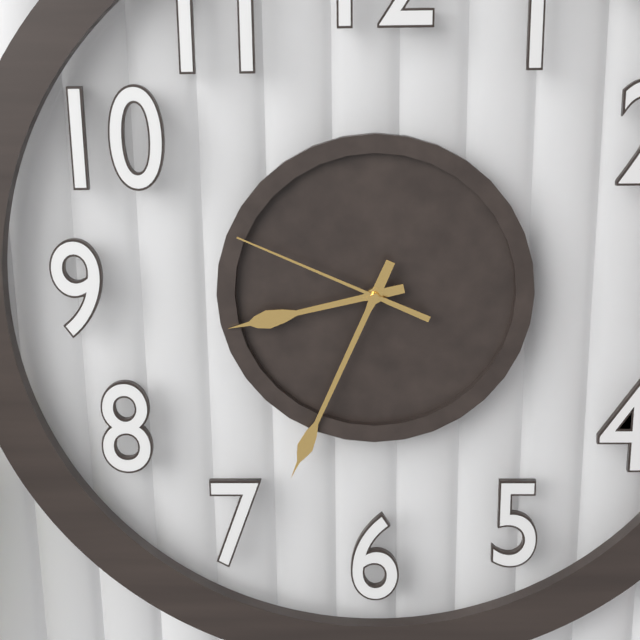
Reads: 8:34:49
